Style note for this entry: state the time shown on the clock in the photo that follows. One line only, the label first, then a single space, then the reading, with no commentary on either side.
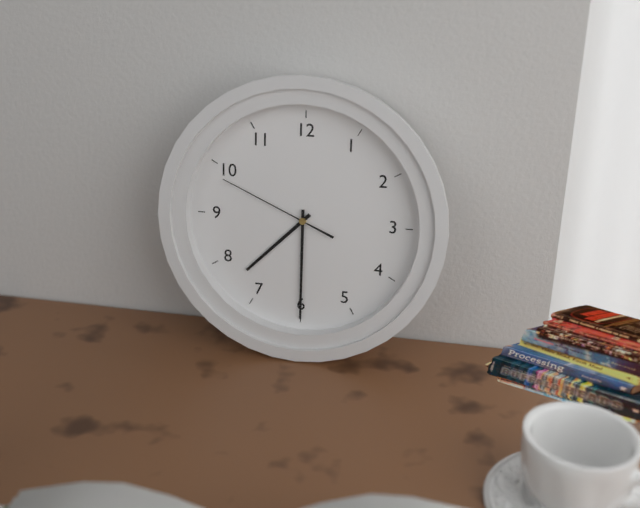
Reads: 7:30:49
